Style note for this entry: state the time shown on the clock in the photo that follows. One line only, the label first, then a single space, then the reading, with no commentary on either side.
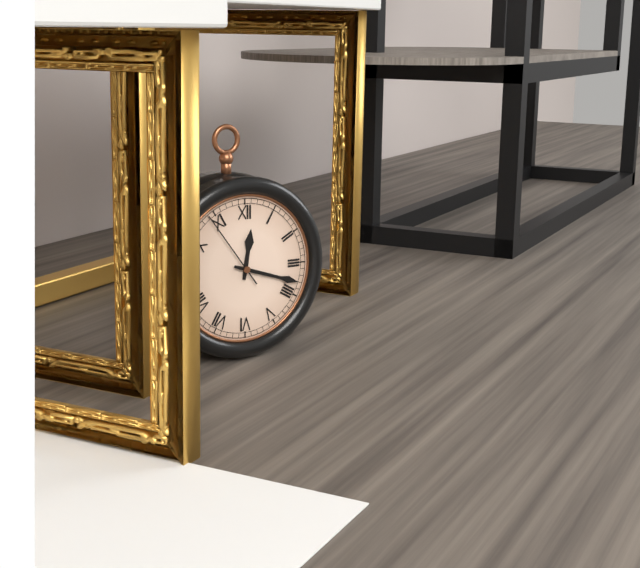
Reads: 12:18:54
